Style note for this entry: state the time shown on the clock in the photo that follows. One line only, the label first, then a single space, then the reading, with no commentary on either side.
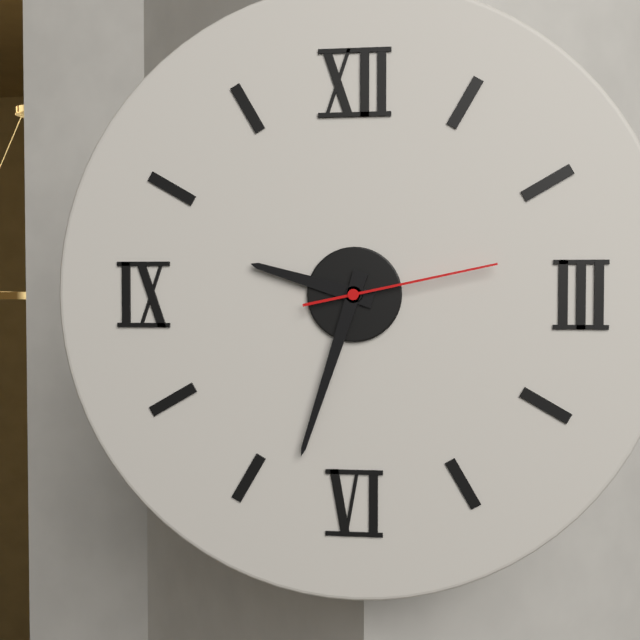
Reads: 9:33:13
